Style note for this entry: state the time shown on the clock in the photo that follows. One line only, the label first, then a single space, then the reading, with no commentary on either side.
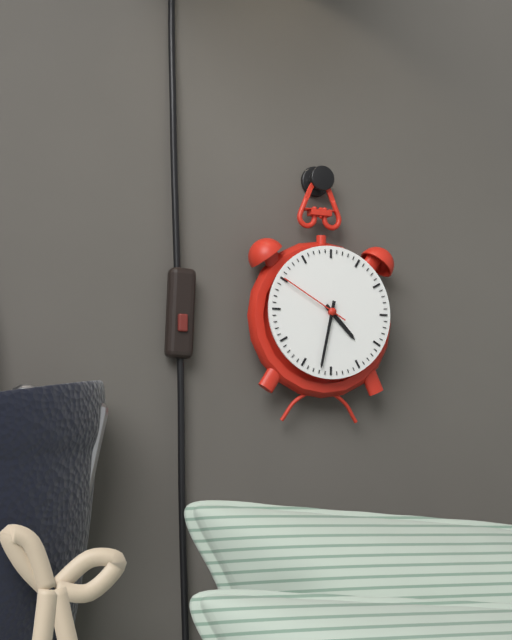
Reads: 4:32:50
